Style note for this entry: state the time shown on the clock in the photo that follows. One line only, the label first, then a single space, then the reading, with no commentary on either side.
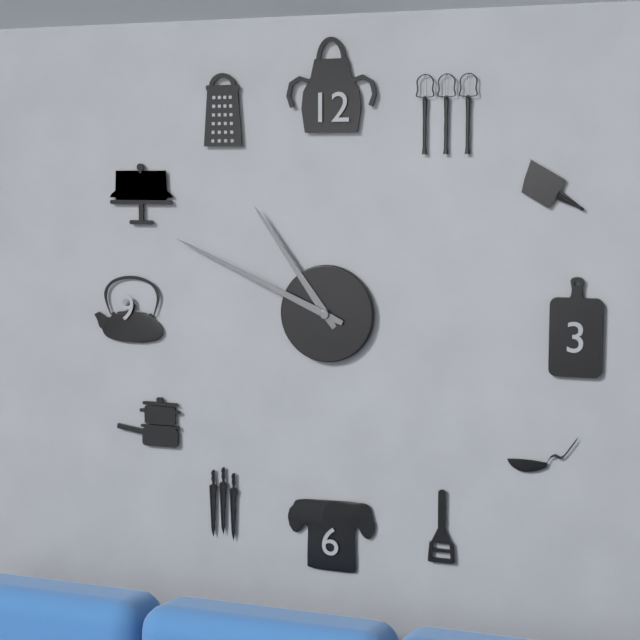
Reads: 10:49
